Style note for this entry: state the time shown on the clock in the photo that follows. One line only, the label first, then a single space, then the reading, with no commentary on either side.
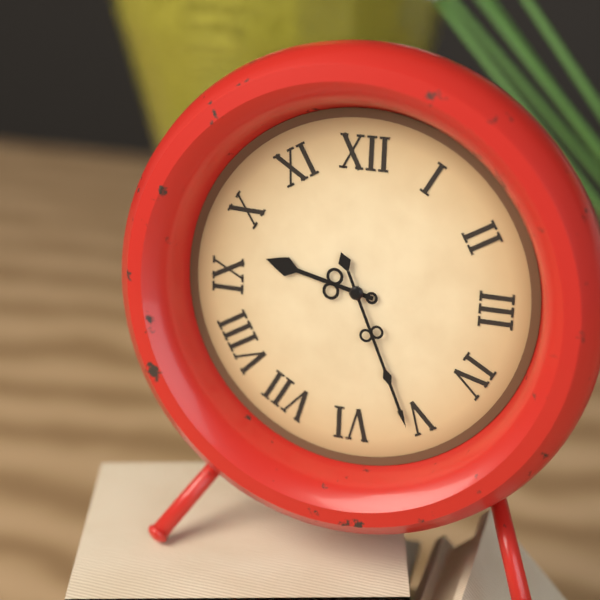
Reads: 9:26
